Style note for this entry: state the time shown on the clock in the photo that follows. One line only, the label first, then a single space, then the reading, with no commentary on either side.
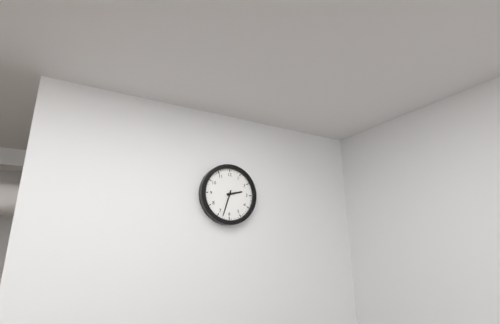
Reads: 2:33
